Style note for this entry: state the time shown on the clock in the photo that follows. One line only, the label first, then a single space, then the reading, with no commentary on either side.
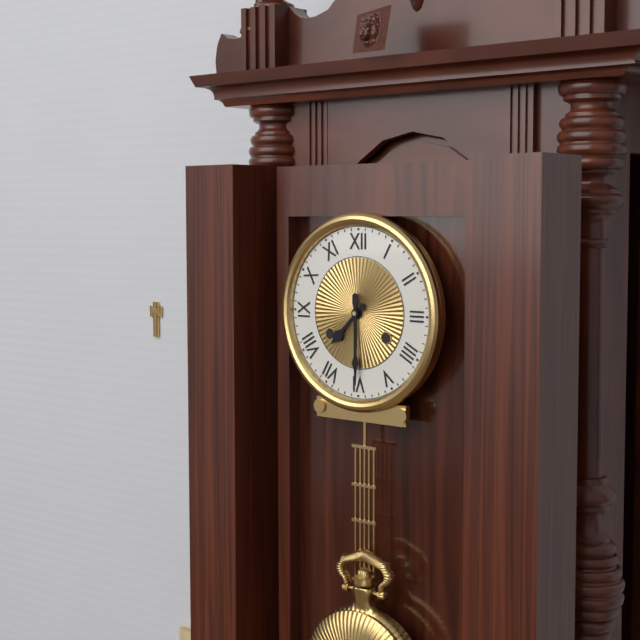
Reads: 7:30
